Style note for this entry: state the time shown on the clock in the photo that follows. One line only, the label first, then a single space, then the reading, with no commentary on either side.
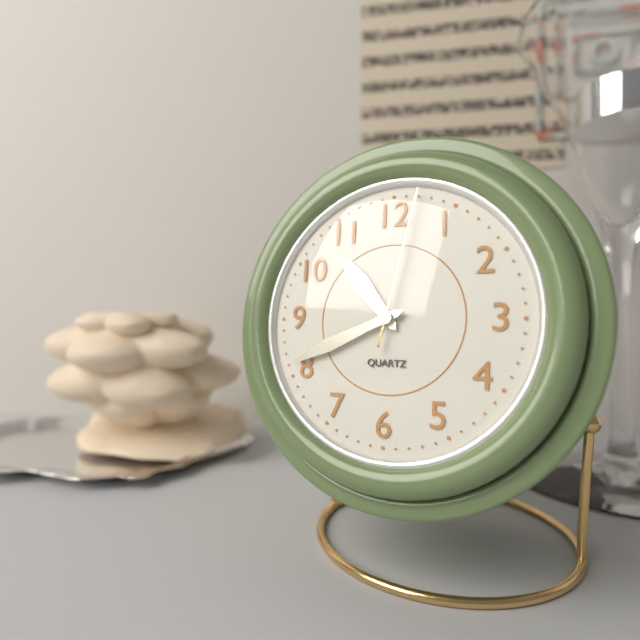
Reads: 10:41:02
